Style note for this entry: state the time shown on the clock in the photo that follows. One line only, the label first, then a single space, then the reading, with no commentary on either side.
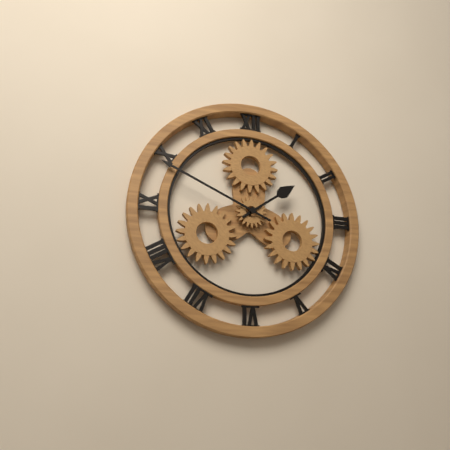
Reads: 1:49
